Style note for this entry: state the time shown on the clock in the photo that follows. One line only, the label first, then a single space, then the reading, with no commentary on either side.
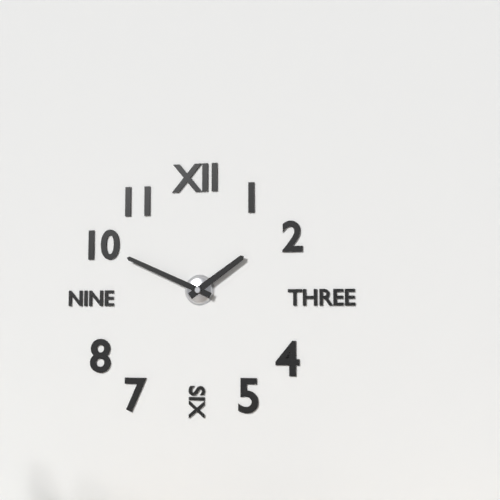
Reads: 1:49
